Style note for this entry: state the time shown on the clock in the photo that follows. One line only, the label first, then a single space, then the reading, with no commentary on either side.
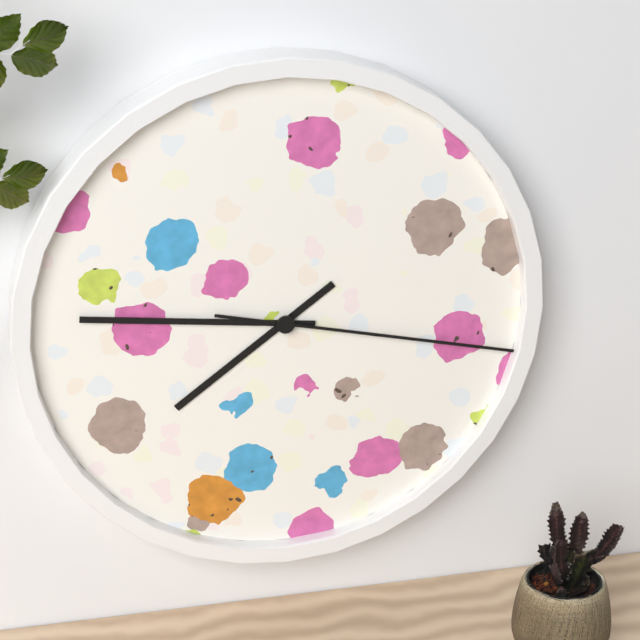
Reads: 7:46:17
